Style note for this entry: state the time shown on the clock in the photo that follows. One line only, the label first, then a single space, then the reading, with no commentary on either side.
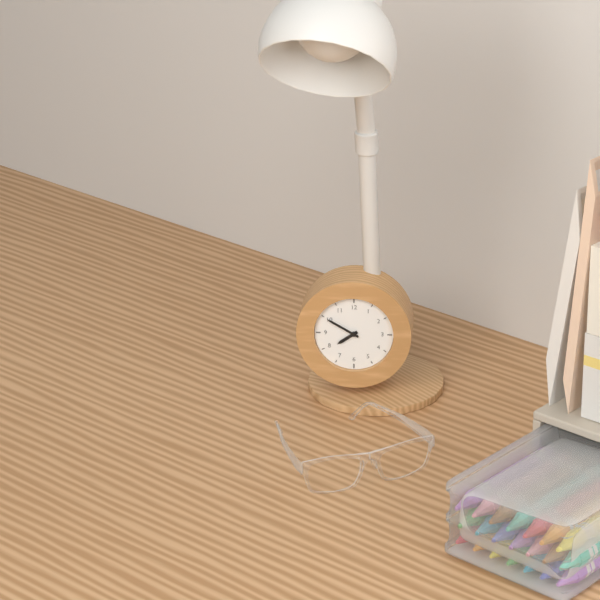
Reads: 7:50
